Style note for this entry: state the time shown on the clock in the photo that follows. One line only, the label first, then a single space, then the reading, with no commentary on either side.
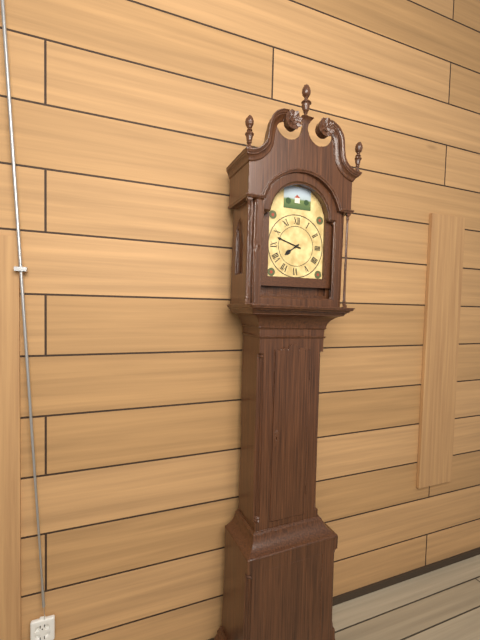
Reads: 7:48
